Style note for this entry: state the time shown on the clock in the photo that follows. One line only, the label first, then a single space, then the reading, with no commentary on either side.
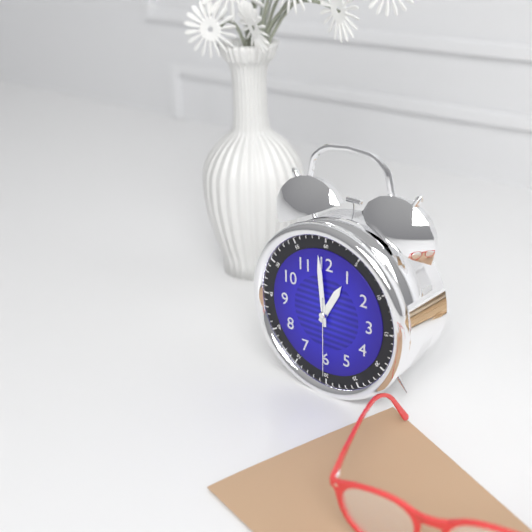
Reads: 12:59:30
